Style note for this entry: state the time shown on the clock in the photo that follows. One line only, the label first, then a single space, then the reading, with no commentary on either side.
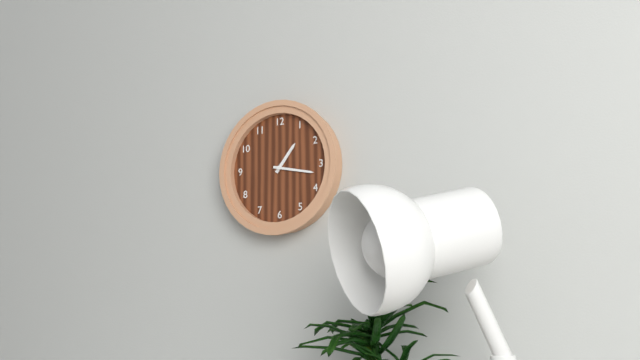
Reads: 1:17
